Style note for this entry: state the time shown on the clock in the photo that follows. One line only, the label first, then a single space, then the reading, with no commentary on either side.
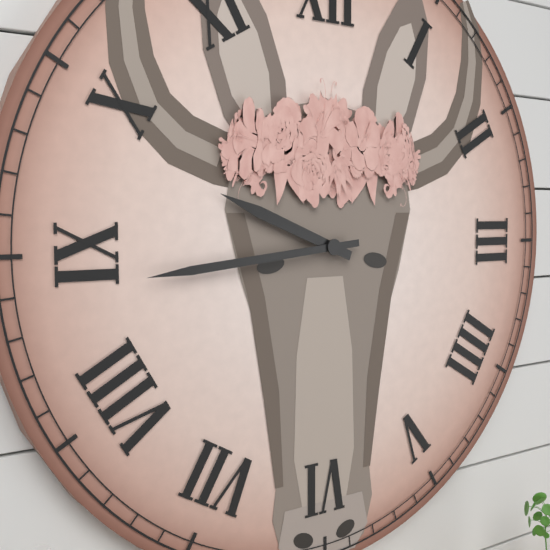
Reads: 9:44
